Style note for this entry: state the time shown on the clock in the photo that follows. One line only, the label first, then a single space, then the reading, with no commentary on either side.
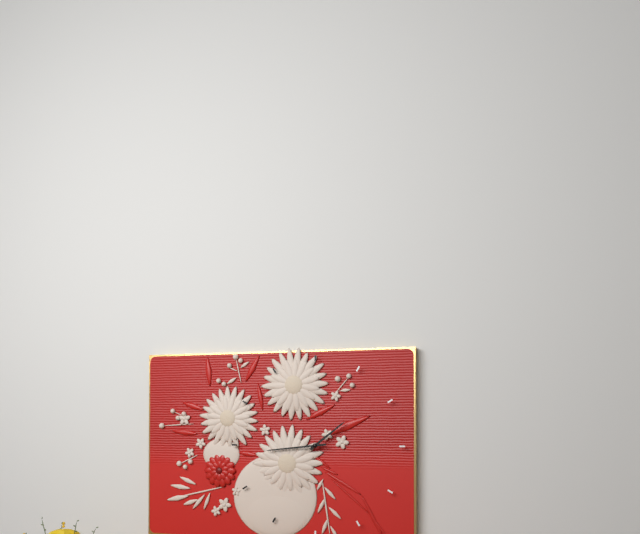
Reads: 1:44
